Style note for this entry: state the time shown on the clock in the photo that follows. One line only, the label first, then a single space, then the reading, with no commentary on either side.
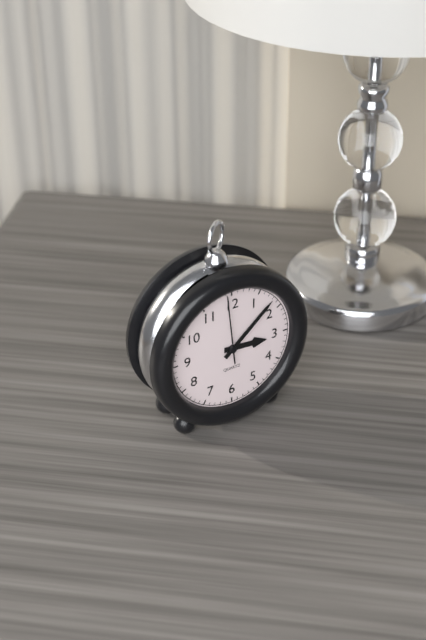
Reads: 3:08:59
